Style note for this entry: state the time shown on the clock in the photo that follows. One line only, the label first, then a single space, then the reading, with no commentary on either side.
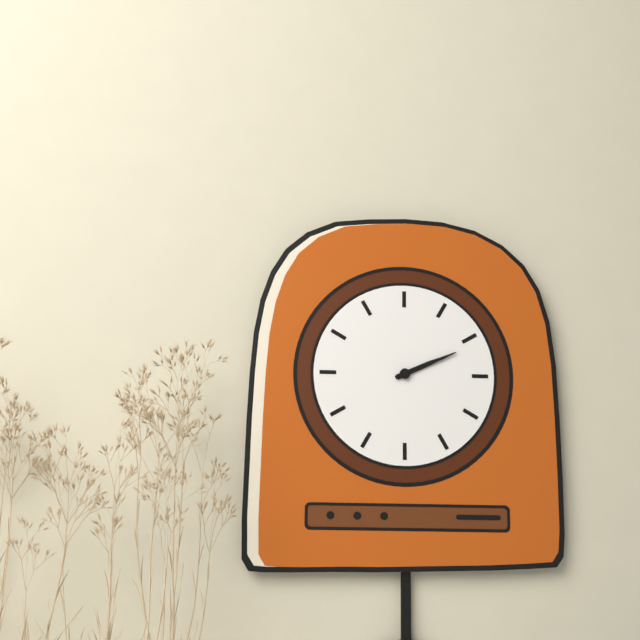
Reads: 2:11
